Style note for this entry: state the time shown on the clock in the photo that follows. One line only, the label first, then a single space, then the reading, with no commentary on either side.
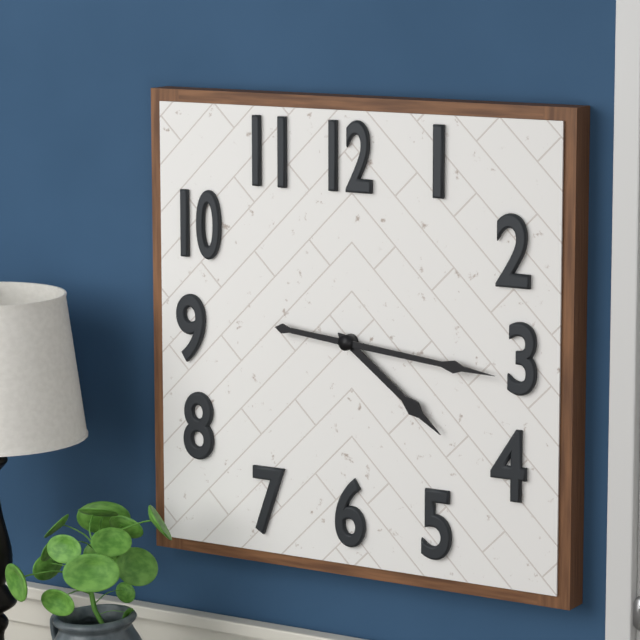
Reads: 4:16
